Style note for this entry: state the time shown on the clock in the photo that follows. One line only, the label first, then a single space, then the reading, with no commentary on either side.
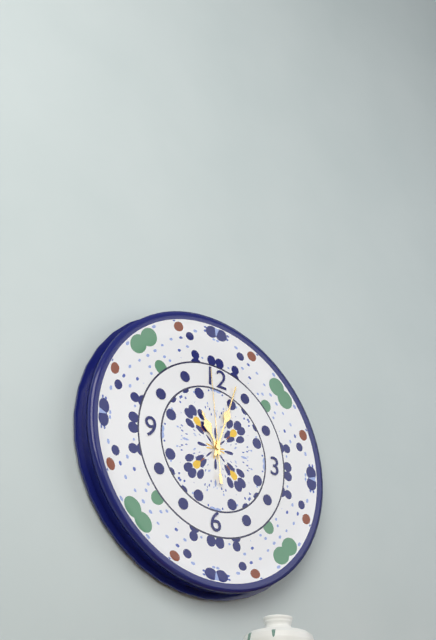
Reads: 11:03:59
